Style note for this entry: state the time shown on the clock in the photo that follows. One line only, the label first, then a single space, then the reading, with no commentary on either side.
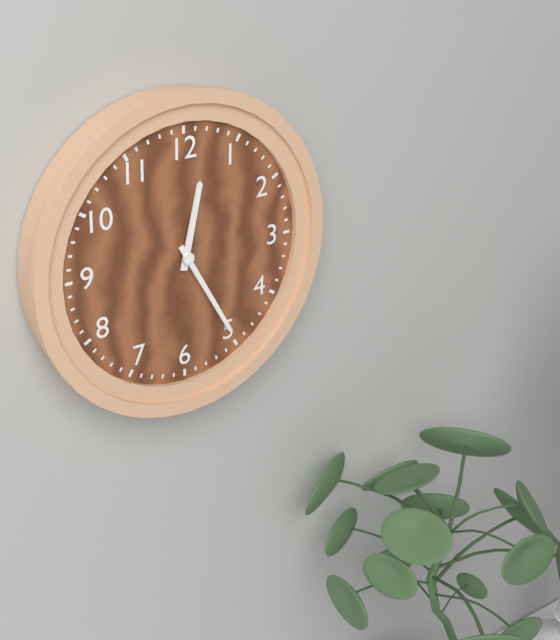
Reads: 12:25
